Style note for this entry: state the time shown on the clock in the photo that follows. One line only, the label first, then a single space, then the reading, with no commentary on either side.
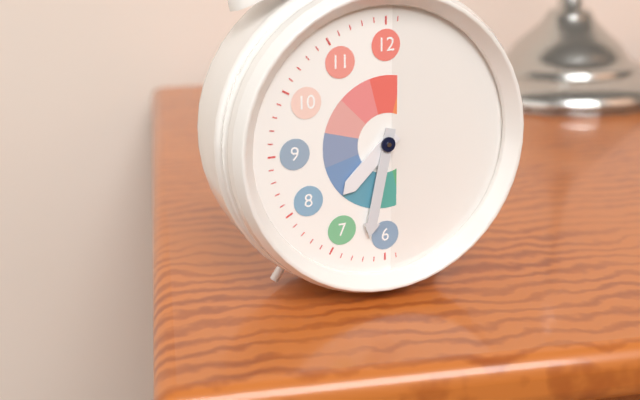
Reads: 7:32
